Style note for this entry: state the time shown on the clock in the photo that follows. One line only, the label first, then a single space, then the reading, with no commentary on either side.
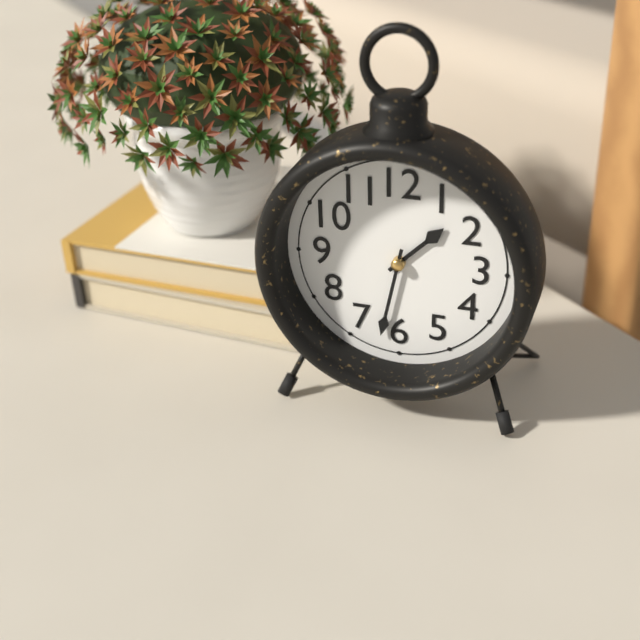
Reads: 1:32
